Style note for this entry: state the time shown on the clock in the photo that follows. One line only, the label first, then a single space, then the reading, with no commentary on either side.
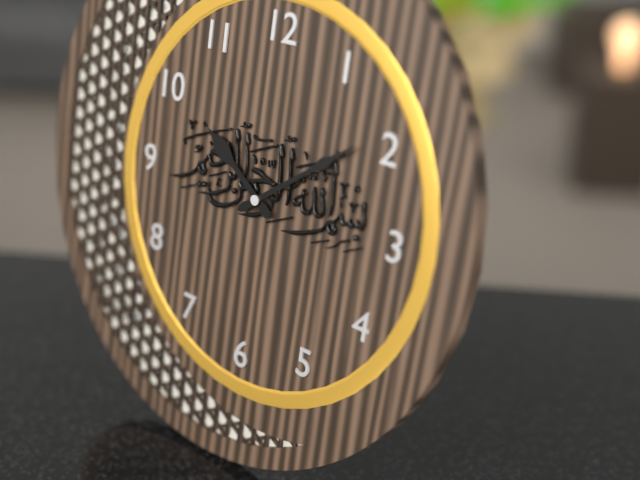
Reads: 10:09
